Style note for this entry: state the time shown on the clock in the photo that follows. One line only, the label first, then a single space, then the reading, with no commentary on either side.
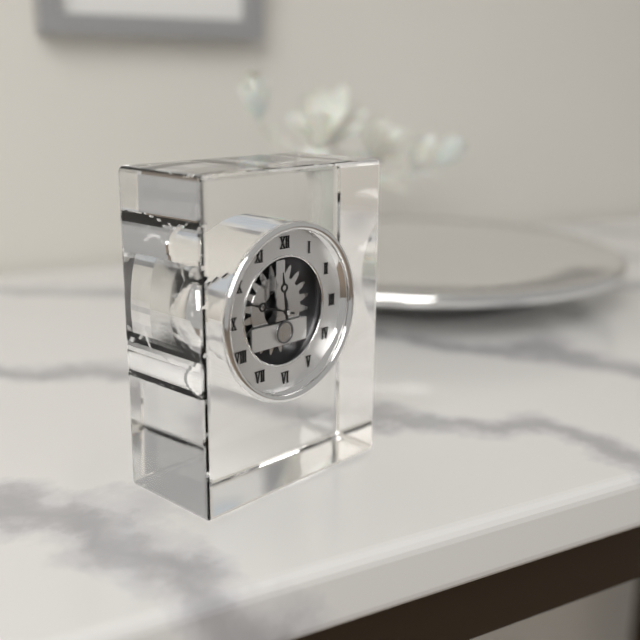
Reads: 11:48
